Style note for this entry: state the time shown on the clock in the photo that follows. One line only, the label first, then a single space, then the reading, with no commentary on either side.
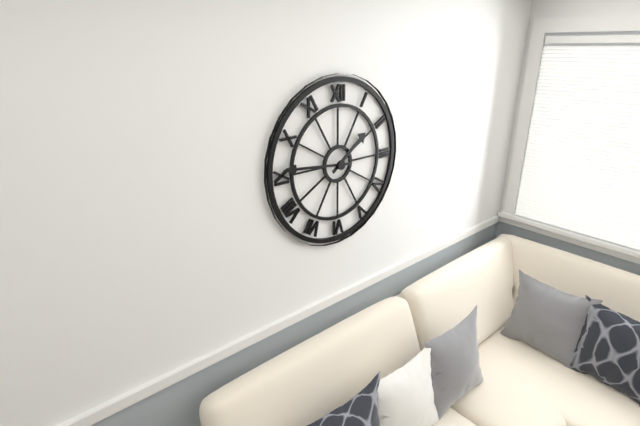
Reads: 1:46
